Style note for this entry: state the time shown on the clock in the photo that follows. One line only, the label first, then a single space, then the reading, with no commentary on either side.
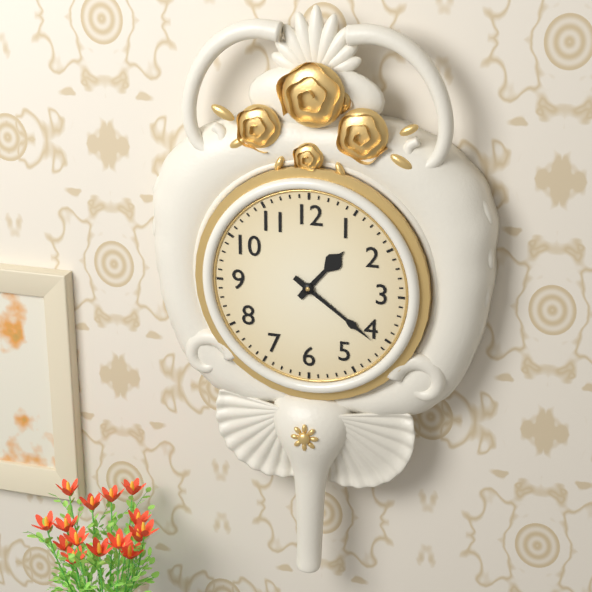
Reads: 1:21
